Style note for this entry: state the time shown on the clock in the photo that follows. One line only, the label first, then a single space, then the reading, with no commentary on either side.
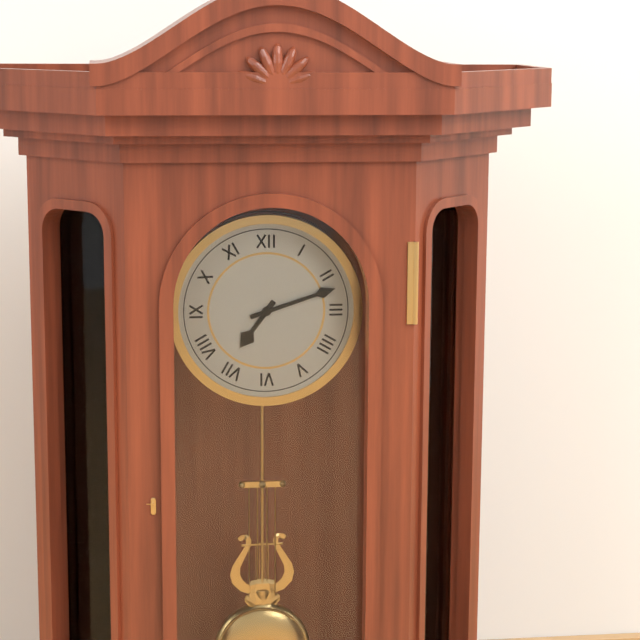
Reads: 7:12
